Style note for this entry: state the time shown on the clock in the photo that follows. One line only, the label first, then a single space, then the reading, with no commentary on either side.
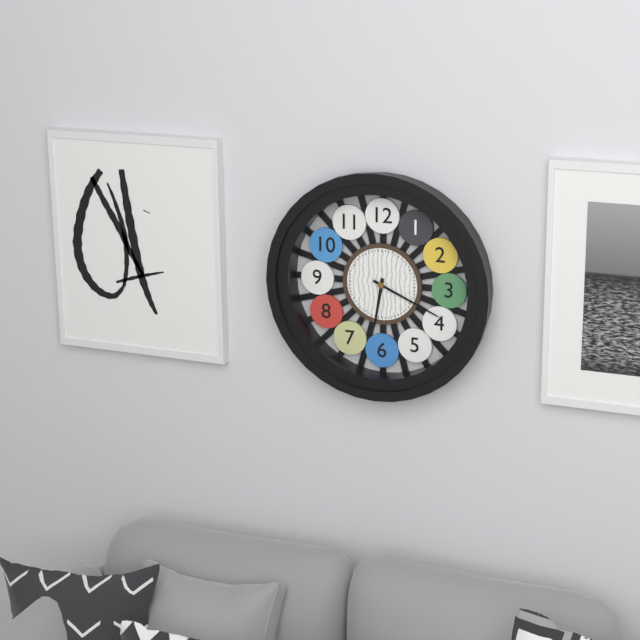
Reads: 6:19
